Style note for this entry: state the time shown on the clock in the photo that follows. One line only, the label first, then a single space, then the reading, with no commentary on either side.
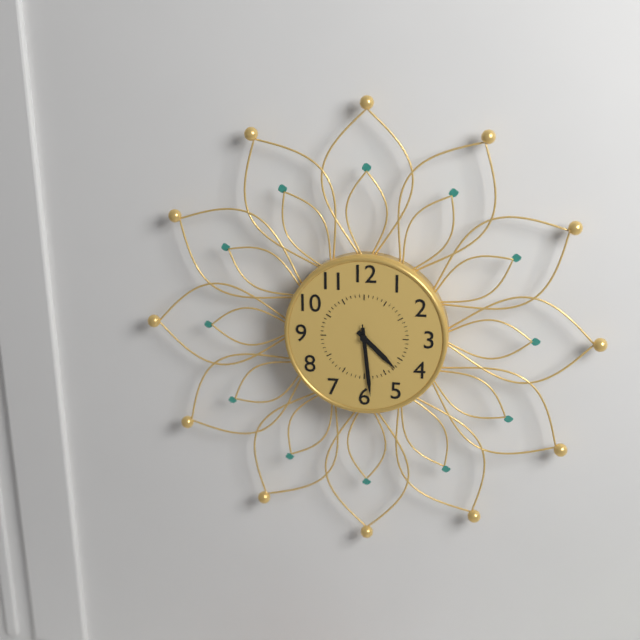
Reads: 4:29:29
